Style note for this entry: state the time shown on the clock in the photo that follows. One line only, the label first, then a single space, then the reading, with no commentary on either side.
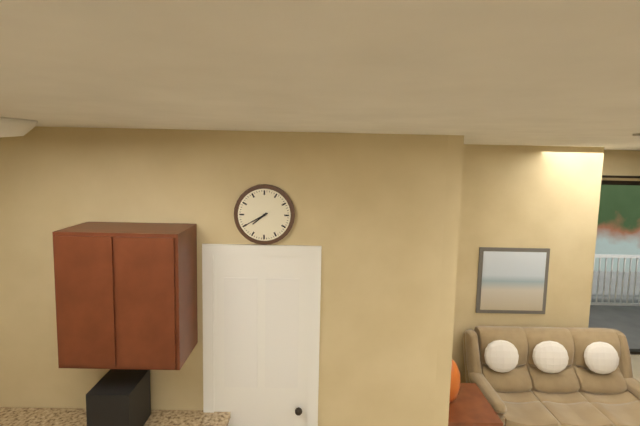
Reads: 7:40
